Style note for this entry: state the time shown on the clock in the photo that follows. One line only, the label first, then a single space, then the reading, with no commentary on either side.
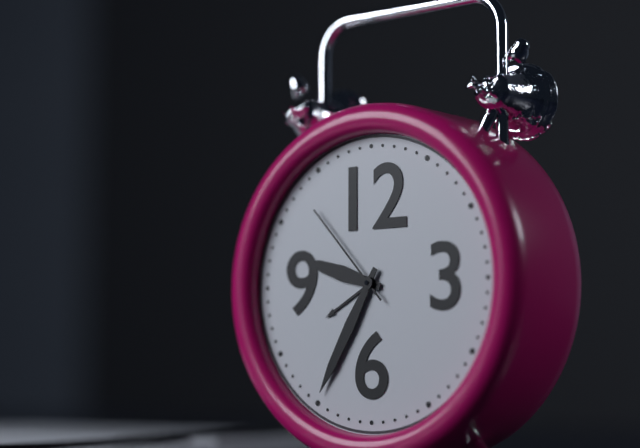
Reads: 9:35:53
